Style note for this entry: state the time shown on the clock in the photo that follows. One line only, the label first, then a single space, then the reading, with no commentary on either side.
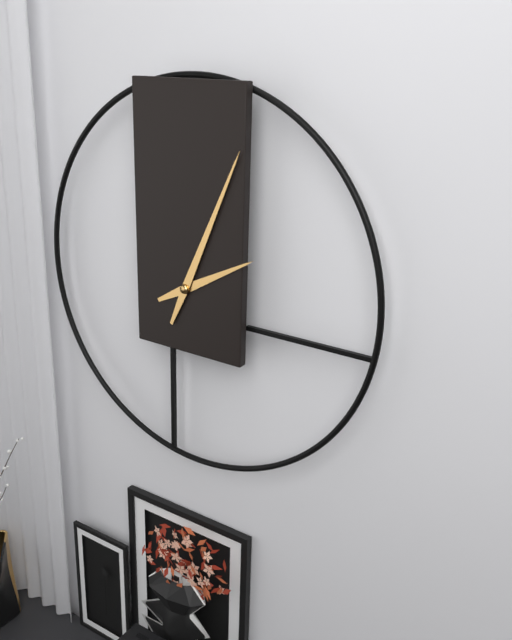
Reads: 2:04
